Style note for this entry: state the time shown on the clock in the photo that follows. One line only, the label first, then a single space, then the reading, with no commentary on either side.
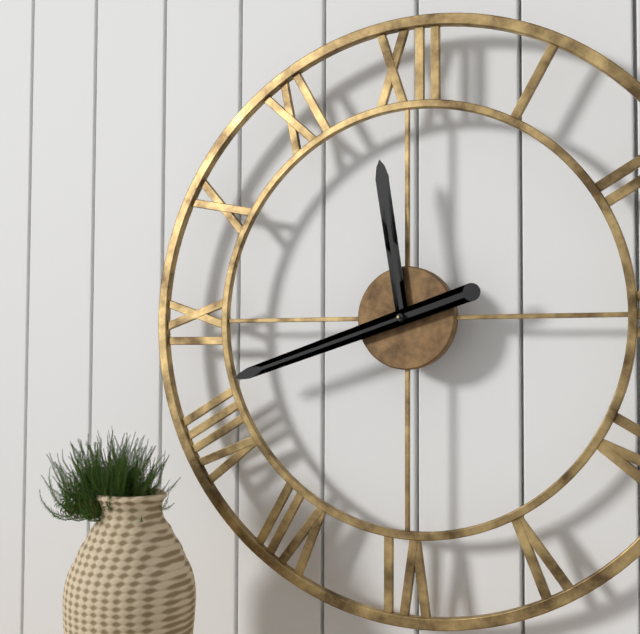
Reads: 11:42
